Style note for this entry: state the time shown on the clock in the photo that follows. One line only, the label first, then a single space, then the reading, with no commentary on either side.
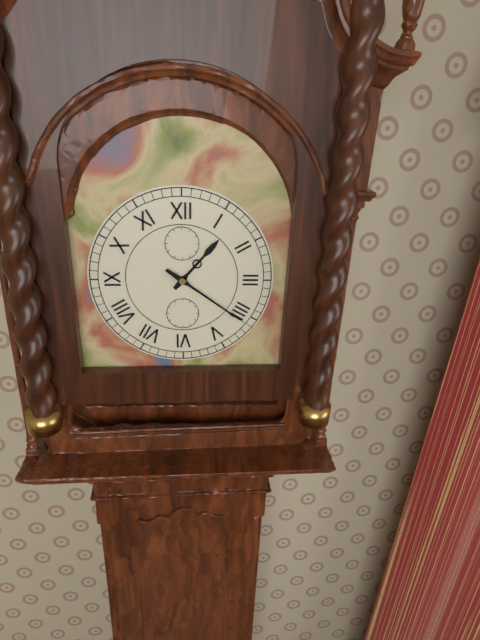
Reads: 1:21
